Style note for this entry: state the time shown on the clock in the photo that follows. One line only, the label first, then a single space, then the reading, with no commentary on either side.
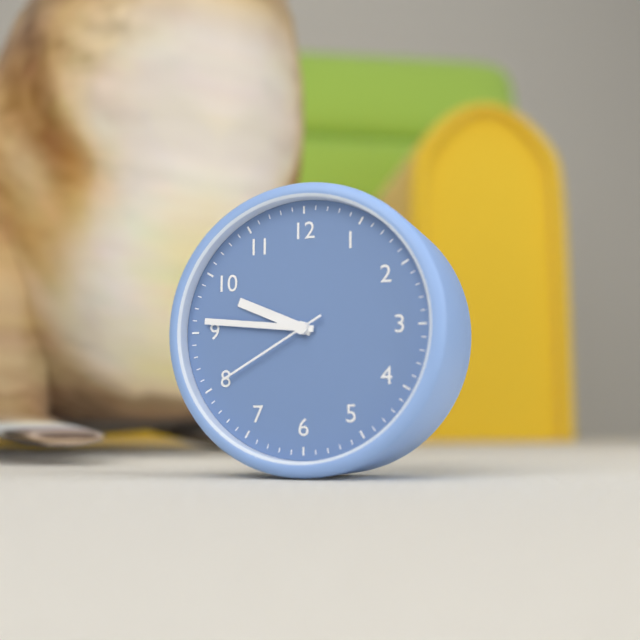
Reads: 9:46:40
